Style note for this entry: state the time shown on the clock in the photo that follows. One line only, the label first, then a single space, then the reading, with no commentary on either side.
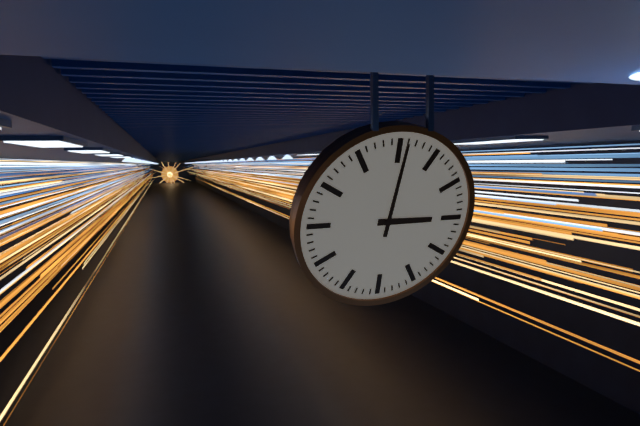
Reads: 3:01
